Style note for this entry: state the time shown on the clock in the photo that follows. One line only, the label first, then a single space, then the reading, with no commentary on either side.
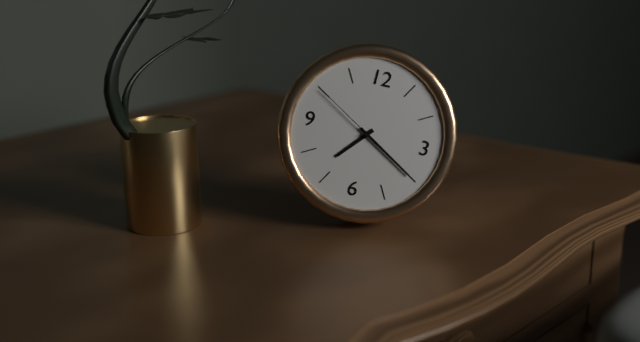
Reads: 7:20:50
